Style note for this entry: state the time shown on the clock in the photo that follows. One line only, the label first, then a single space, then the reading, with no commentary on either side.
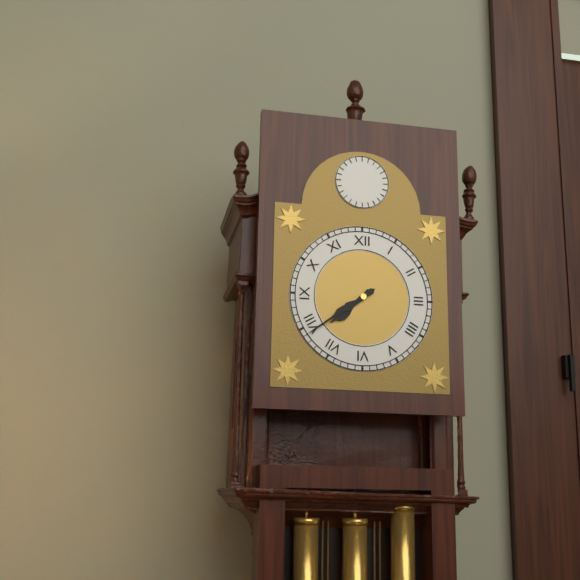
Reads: 7:39
